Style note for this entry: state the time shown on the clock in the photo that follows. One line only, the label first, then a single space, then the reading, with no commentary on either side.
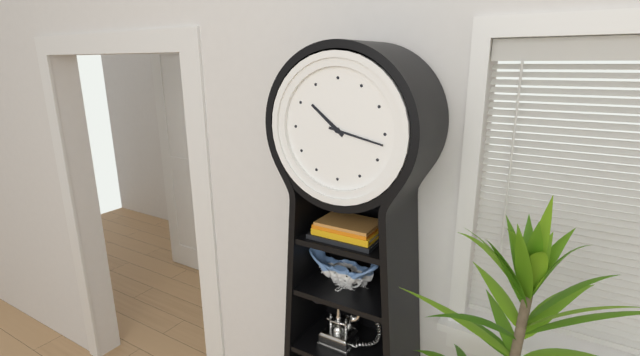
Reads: 10:17
